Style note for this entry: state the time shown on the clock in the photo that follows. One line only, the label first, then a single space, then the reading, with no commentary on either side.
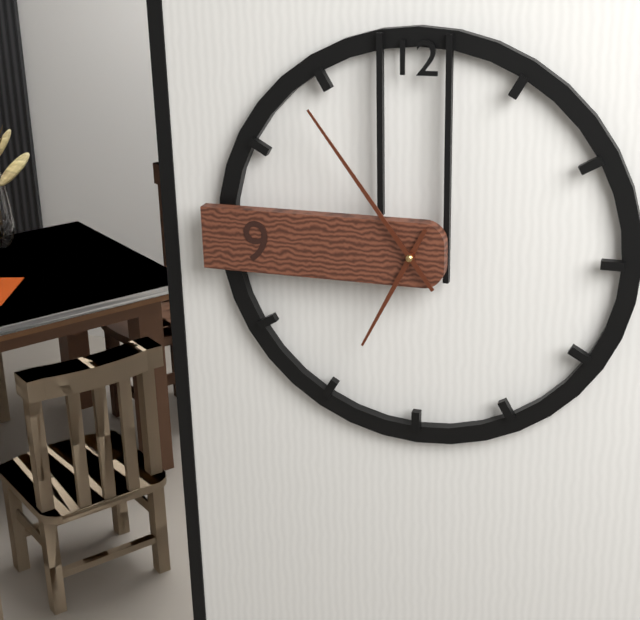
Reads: 6:54
